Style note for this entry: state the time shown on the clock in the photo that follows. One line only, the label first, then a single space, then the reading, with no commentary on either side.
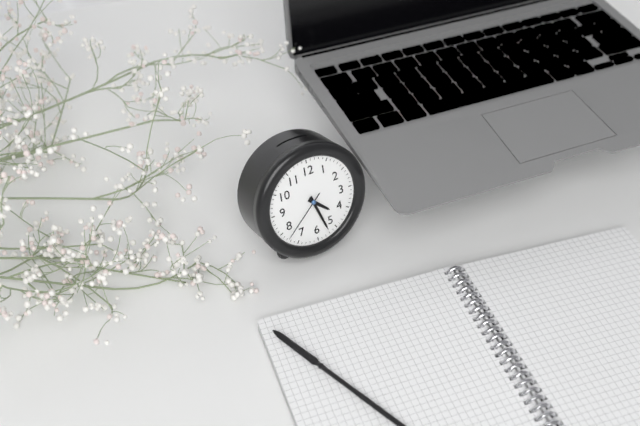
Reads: 4:27:38
